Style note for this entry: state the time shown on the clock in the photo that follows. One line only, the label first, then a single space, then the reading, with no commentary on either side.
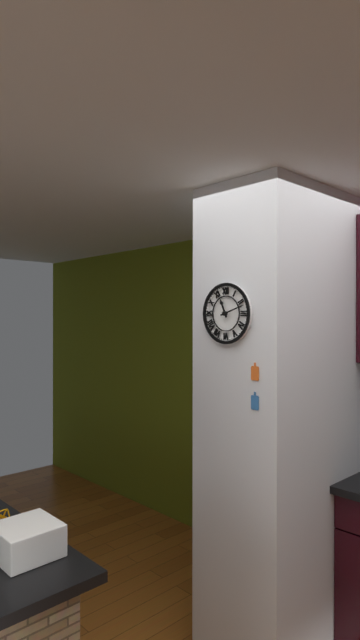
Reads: 11:12
